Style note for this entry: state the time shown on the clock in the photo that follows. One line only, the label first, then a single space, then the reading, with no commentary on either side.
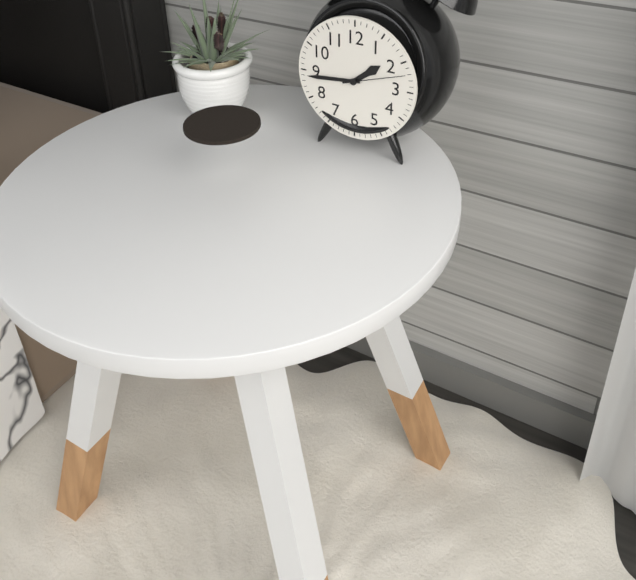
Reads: 1:44:12
